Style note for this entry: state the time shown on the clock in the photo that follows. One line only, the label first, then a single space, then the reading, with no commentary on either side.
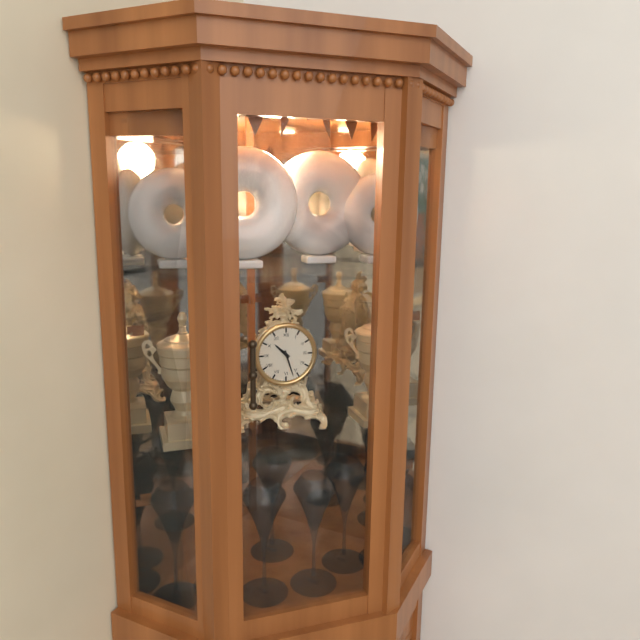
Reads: 10:27
